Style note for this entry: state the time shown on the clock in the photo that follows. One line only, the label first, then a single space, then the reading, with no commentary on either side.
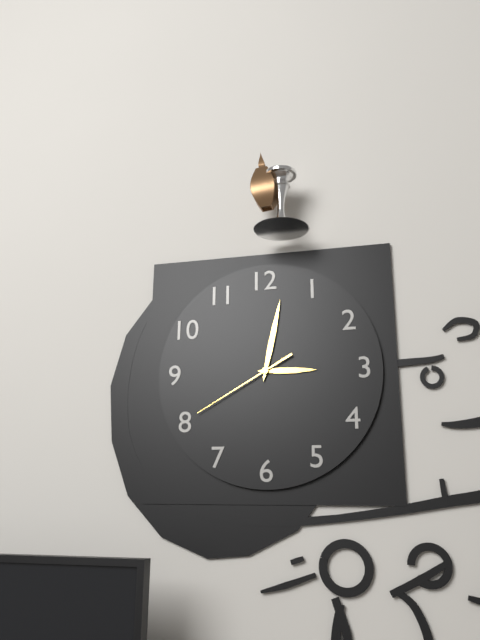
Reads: 3:02:40
